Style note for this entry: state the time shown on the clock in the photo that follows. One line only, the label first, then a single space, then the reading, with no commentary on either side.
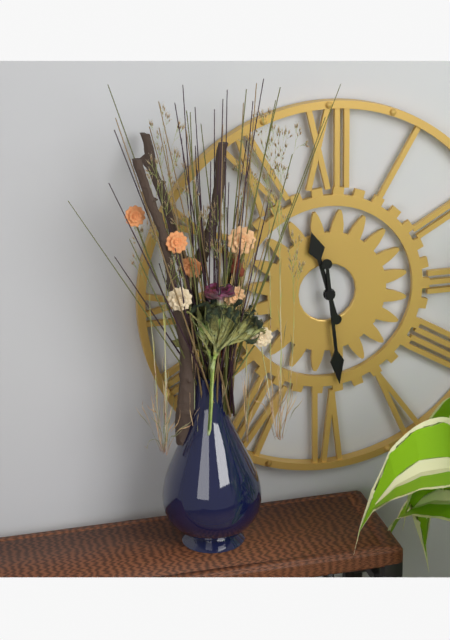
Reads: 11:29
